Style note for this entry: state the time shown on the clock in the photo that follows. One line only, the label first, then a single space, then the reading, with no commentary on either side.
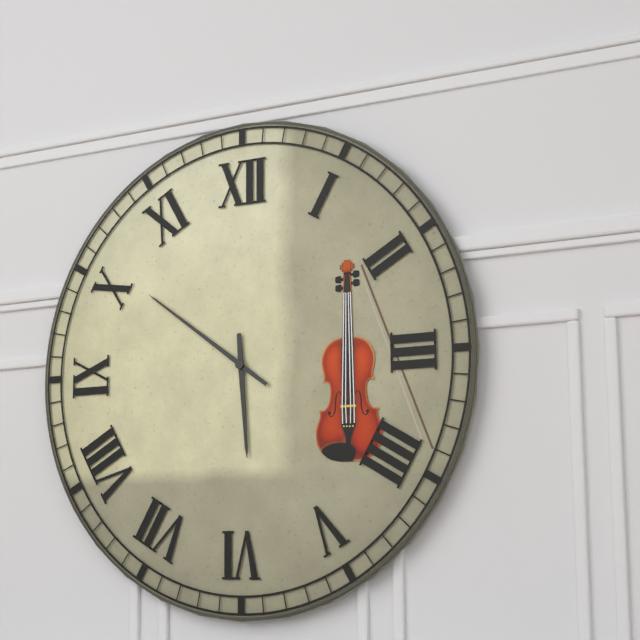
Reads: 5:51
